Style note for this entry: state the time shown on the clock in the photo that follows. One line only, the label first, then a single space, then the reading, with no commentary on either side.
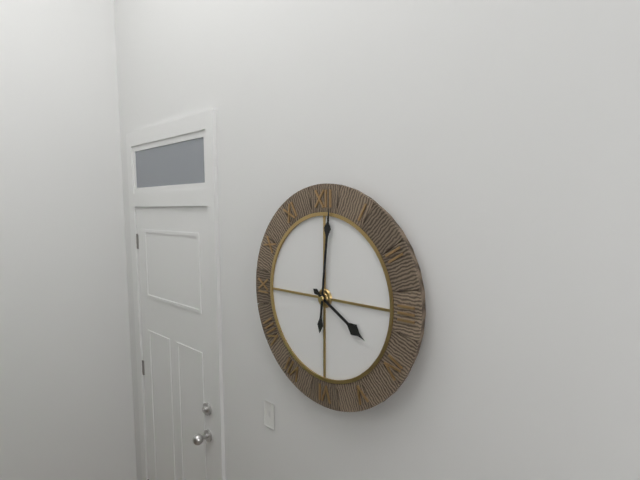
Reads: 4:01
